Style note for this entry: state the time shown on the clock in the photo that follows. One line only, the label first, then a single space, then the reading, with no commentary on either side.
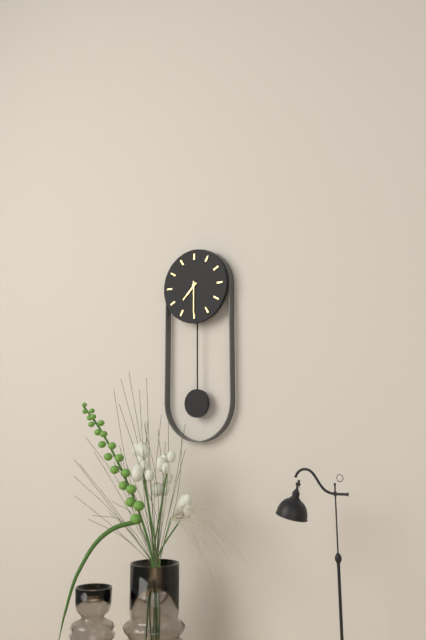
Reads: 7:30
